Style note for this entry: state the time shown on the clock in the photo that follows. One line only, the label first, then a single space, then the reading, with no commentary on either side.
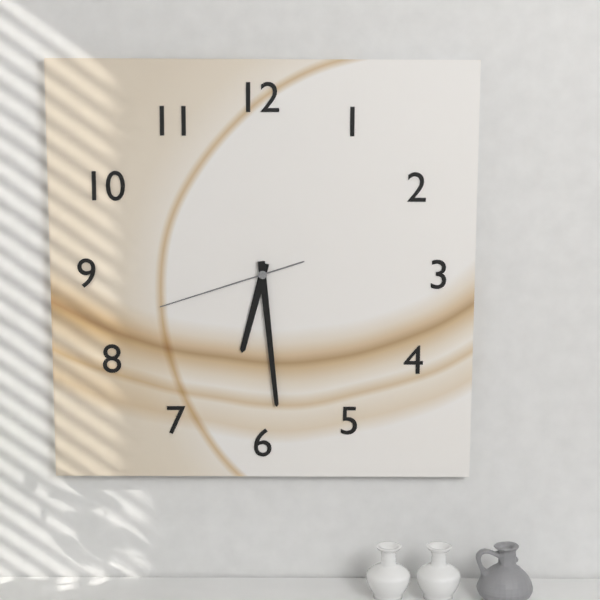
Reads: 6:29:42
